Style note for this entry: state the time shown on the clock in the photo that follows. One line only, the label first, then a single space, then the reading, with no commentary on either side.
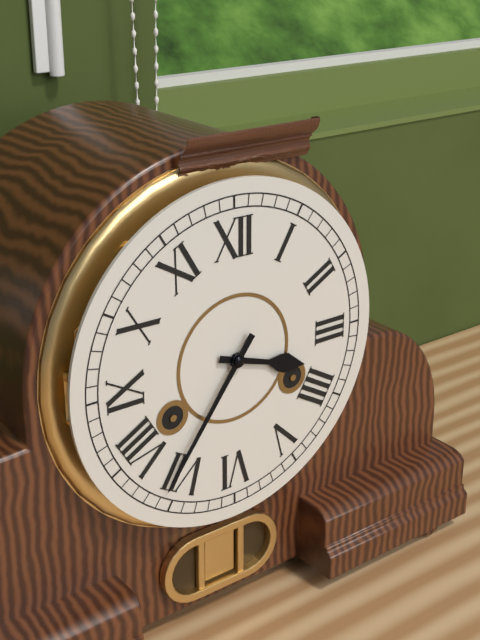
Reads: 3:36
